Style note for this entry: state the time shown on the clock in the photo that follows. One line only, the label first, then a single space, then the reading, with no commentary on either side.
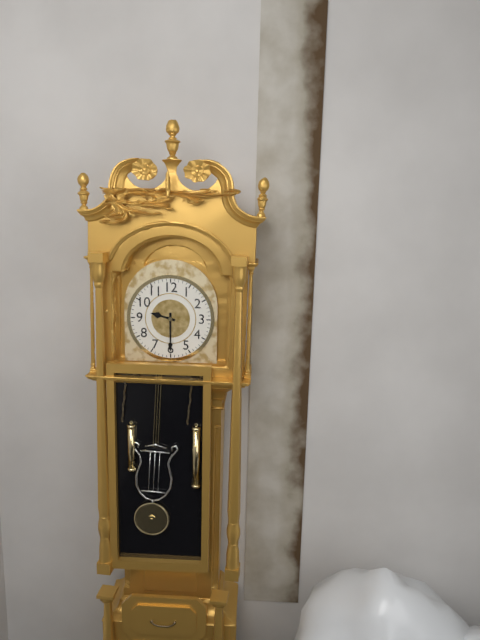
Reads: 9:30
